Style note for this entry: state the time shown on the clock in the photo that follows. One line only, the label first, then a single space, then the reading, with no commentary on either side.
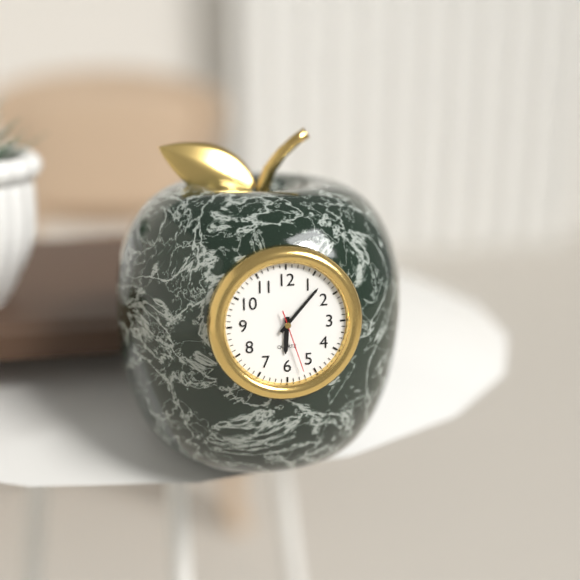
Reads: 6:07:27
